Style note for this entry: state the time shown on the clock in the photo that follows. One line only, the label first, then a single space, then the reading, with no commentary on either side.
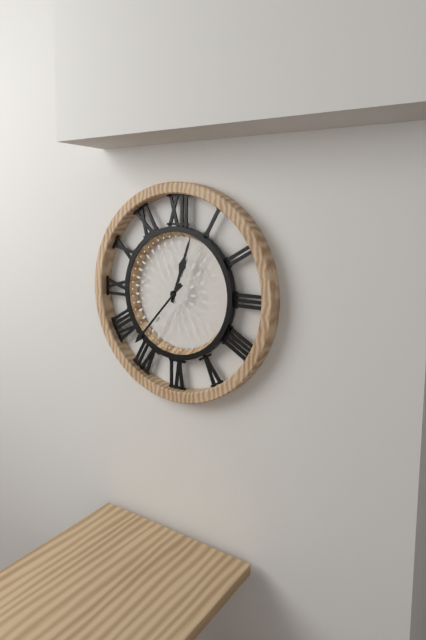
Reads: 12:37
